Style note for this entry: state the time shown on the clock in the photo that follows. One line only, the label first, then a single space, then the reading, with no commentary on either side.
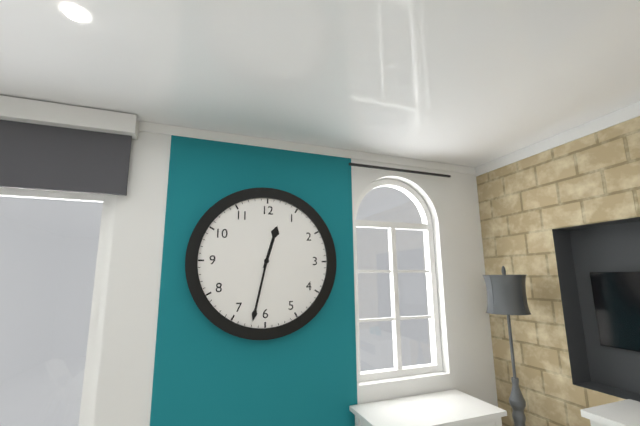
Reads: 12:32
